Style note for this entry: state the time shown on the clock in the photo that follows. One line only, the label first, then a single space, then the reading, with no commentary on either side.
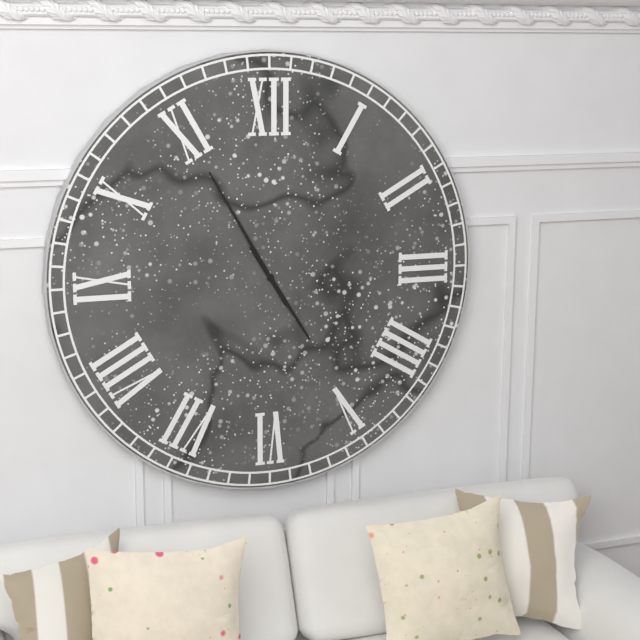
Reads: 4:55
